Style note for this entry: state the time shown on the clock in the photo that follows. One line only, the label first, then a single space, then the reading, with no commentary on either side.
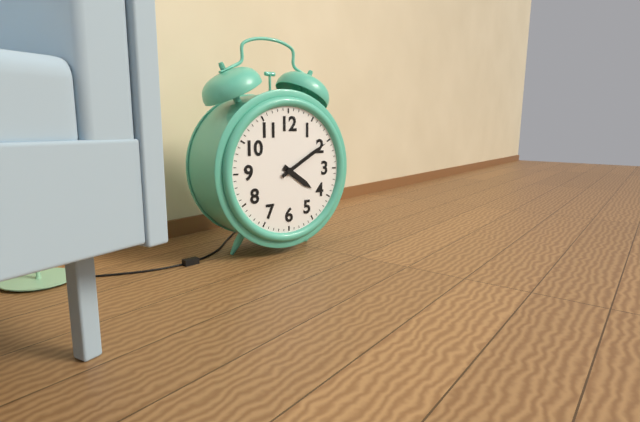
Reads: 4:10
